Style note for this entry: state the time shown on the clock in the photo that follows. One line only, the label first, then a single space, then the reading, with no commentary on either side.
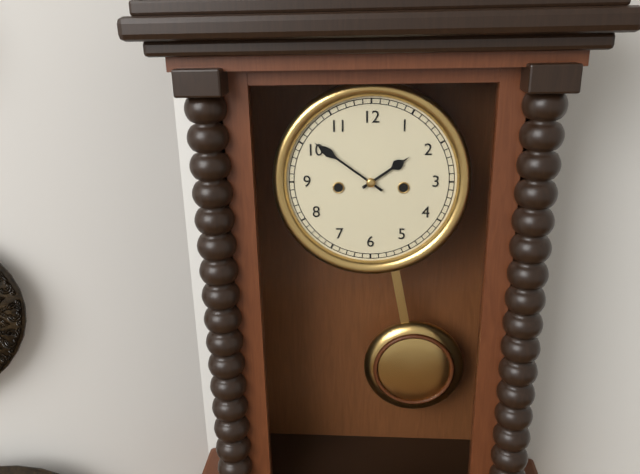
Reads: 1:51
